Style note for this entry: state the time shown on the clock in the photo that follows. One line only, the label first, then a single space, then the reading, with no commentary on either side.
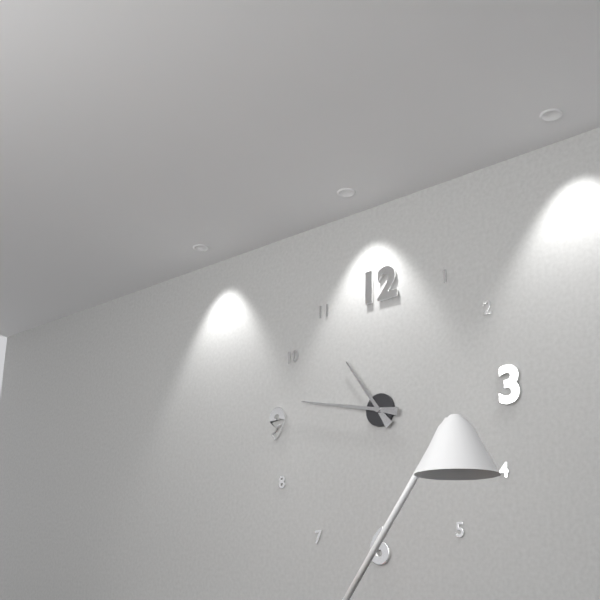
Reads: 10:47
